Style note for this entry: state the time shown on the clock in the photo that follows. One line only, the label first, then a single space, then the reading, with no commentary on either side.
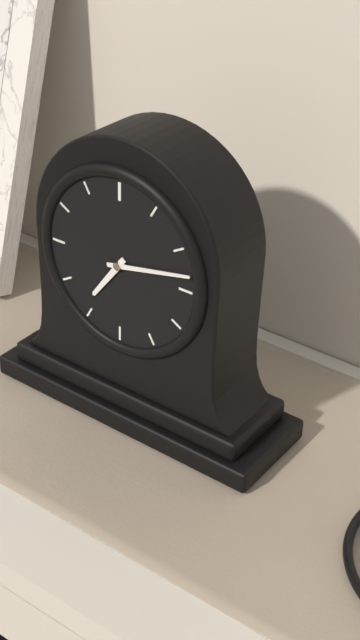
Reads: 7:13
